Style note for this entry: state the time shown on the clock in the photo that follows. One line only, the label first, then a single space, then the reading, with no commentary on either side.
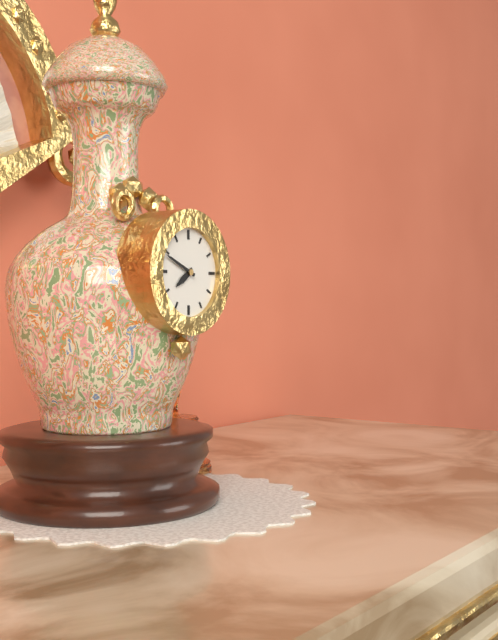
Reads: 7:49
